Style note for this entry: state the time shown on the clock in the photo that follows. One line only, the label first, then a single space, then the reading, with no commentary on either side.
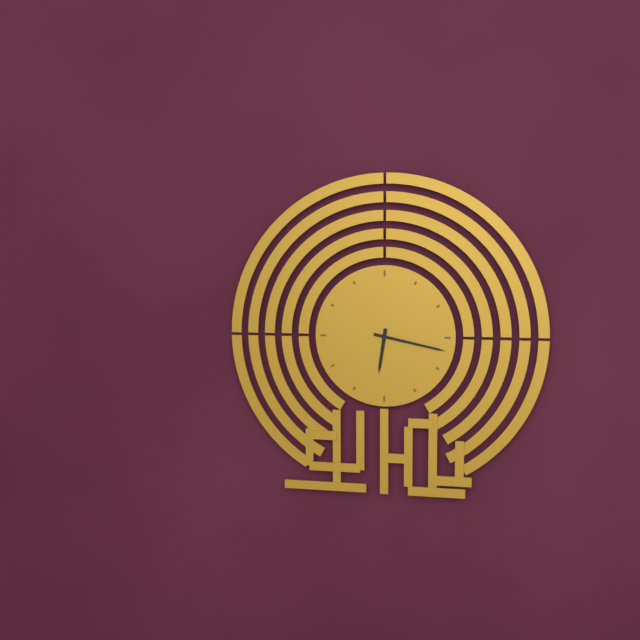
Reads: 6:17
